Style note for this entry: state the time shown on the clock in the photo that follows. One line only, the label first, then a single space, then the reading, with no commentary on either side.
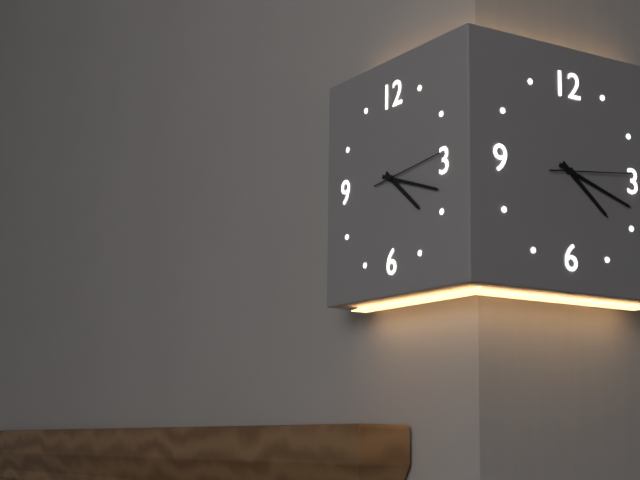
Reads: 4:18:14
